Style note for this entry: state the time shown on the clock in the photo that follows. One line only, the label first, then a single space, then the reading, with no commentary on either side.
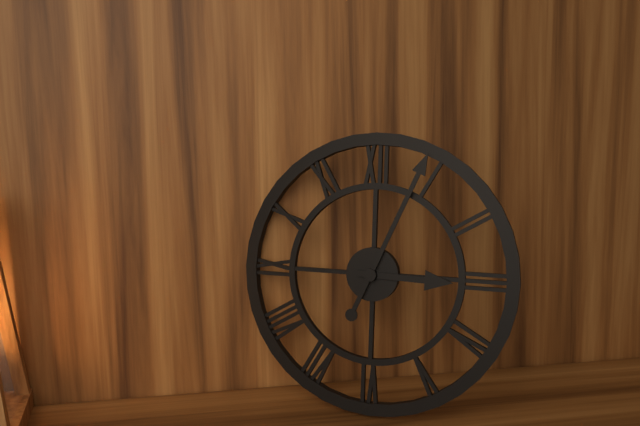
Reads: 3:04
